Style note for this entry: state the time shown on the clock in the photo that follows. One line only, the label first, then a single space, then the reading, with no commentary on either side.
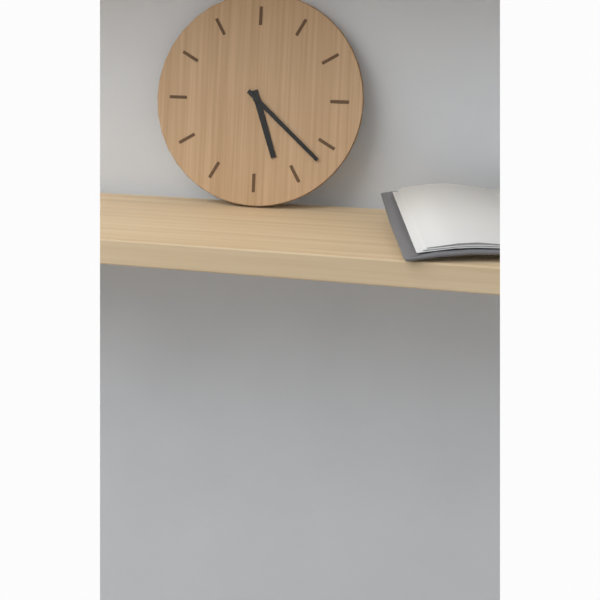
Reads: 5:22
